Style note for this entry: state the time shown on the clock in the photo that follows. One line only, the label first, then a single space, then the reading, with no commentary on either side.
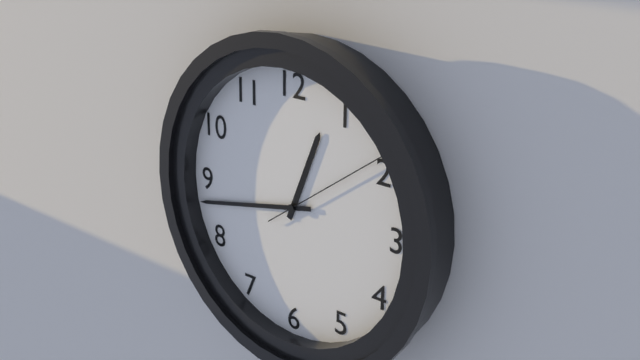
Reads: 12:43:09
